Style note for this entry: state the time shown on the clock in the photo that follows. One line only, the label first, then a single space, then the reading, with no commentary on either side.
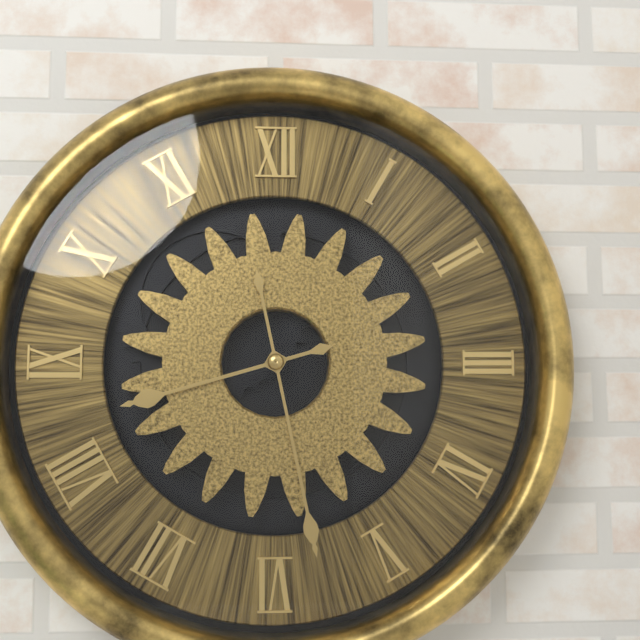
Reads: 8:28
